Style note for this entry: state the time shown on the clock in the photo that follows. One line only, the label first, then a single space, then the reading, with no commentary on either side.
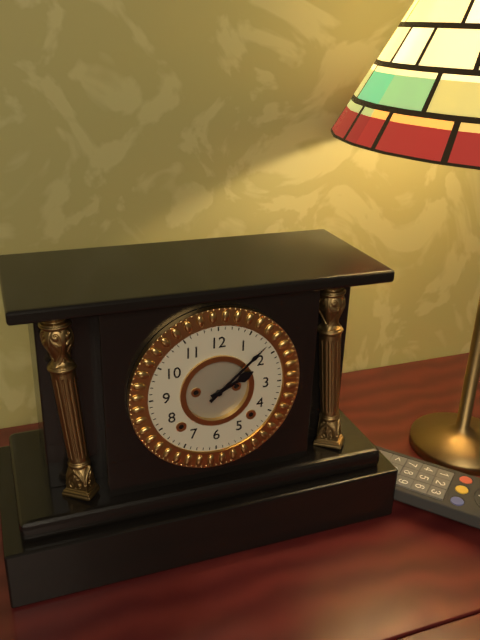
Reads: 2:08
